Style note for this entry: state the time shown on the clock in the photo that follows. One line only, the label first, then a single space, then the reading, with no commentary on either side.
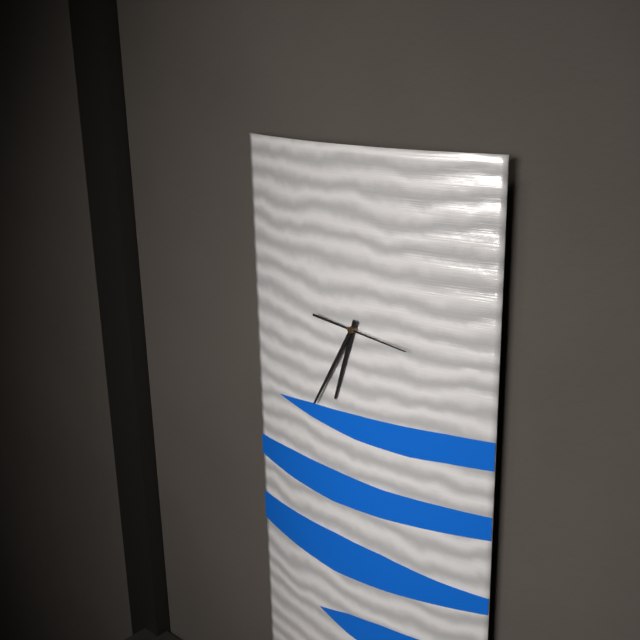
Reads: 6:35:16
